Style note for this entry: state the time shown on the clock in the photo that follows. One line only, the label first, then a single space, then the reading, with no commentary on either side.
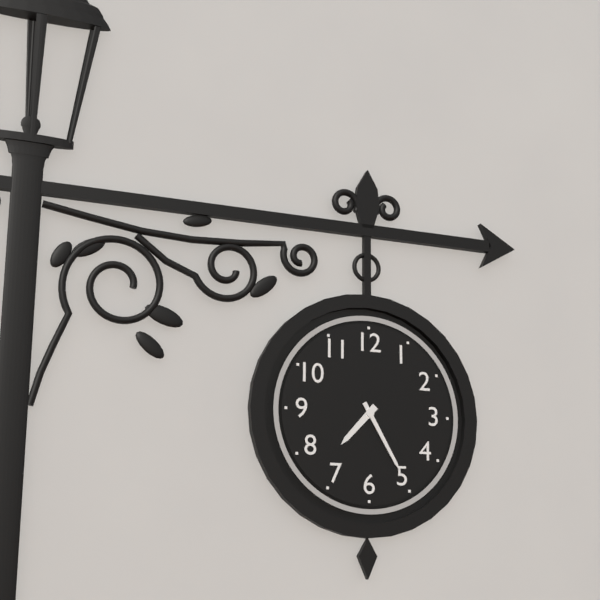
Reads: 7:25
